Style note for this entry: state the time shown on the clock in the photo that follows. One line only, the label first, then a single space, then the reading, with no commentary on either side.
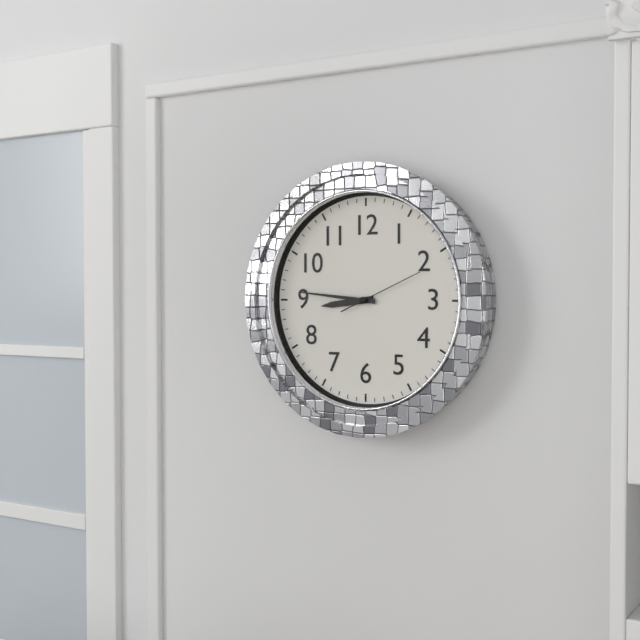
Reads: 8:46:11
